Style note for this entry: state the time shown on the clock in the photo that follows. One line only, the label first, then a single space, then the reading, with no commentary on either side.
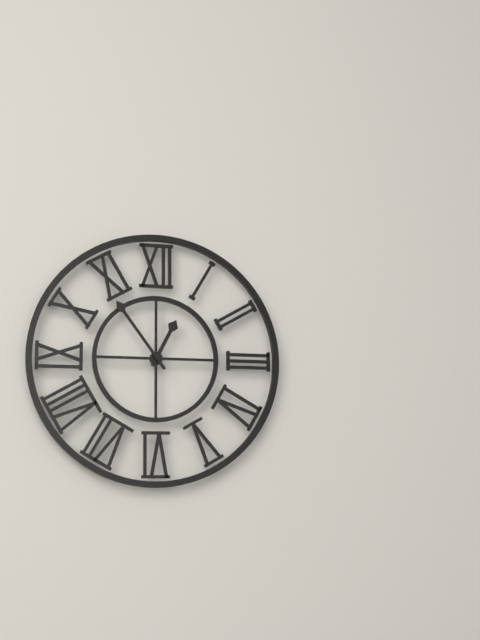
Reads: 12:54
